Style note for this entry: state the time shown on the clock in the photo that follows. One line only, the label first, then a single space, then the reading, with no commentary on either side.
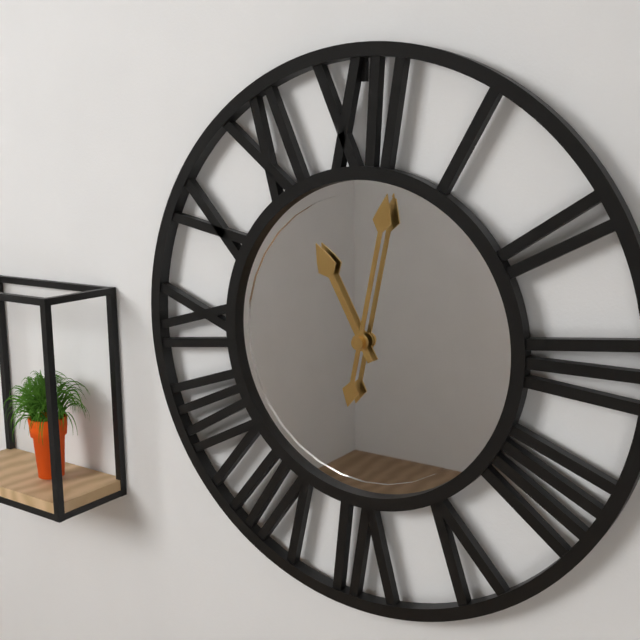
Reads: 11:02
